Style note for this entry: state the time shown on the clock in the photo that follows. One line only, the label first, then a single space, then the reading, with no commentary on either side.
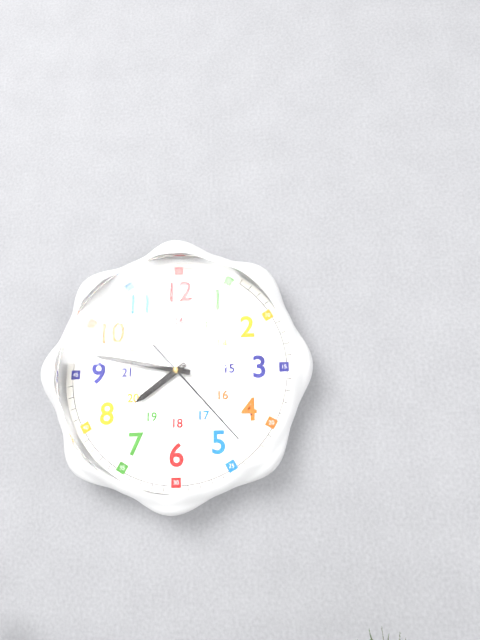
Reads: 7:47:23
